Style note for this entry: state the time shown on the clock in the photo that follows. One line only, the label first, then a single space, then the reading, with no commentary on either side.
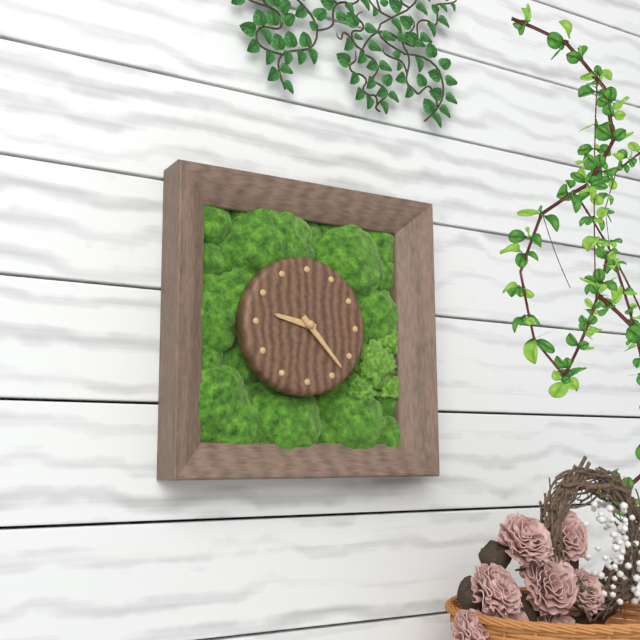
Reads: 9:23
